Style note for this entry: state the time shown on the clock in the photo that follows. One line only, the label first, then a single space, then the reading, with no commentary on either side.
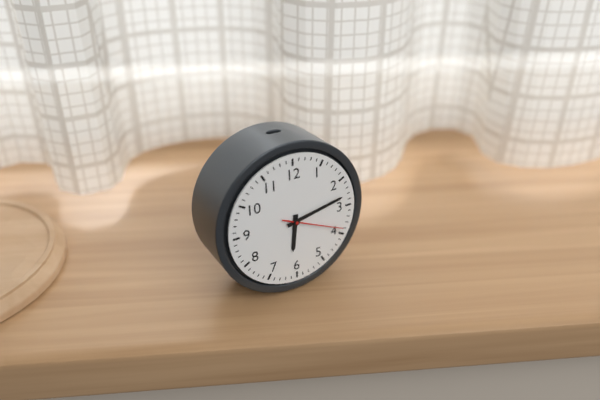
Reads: 6:13:19
